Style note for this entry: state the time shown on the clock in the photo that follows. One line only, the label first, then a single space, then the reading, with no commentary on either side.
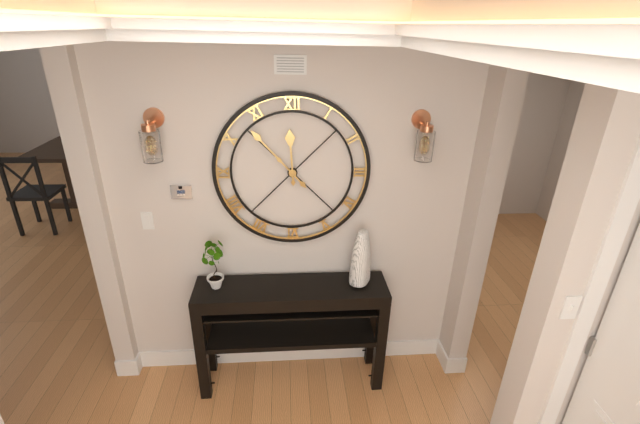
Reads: 11:53
